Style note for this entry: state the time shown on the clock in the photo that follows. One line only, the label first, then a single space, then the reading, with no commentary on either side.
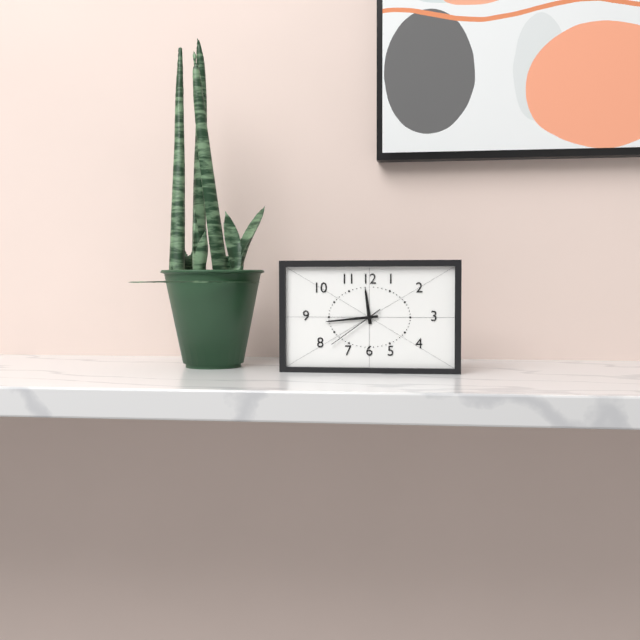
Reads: 11:44:39
